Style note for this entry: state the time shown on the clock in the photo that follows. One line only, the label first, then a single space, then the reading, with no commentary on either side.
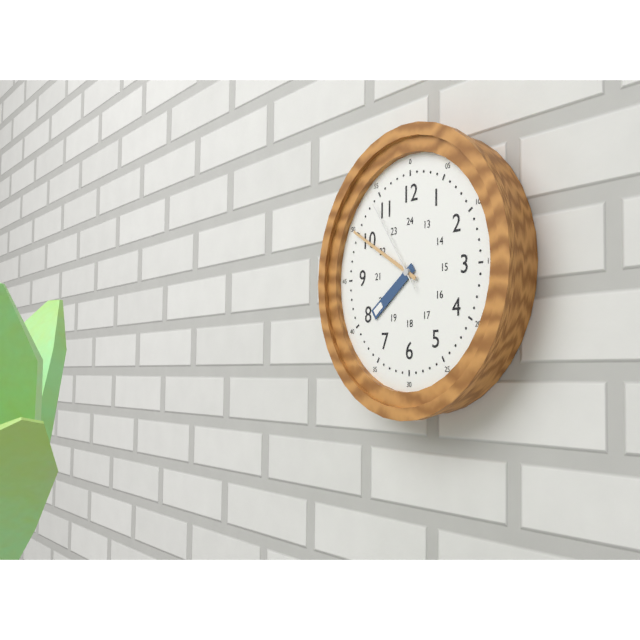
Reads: 7:50:54
